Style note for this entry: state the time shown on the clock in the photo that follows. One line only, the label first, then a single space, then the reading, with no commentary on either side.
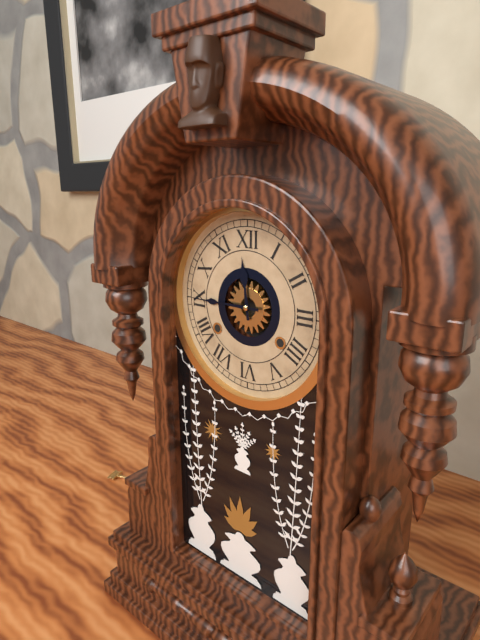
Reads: 11:45
